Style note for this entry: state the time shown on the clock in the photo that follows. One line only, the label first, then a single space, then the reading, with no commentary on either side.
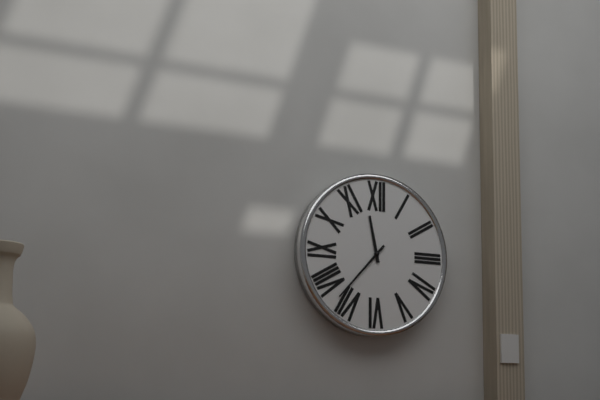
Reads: 11:37
